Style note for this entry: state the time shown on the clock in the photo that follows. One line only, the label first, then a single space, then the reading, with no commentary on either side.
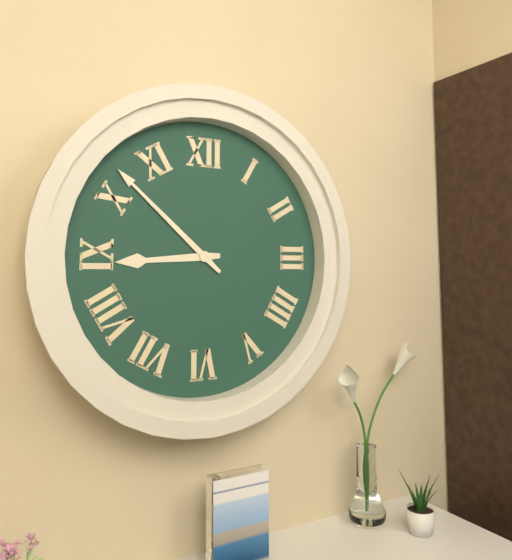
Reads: 8:52
